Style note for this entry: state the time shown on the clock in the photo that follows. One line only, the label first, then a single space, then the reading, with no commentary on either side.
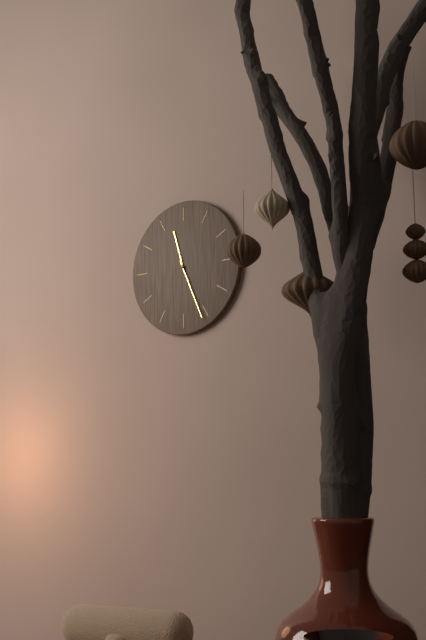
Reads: 11:26
